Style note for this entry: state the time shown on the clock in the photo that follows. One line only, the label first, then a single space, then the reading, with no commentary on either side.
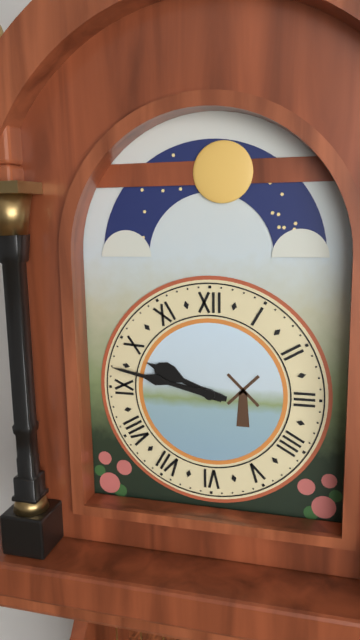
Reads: 9:47
